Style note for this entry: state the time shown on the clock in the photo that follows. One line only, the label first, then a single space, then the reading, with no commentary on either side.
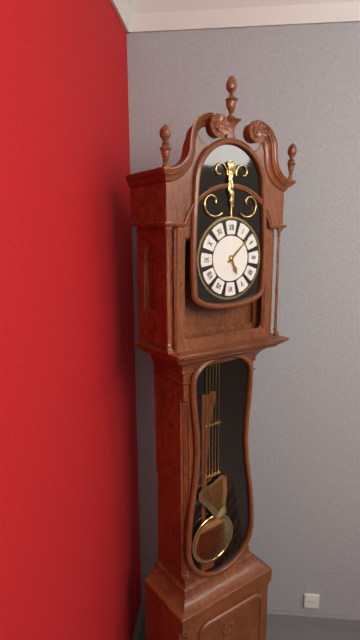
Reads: 5:08
